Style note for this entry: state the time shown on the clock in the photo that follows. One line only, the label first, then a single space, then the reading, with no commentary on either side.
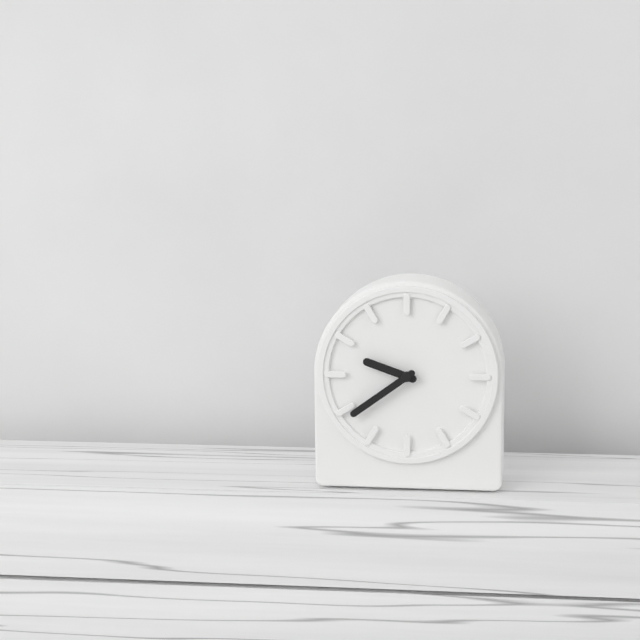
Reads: 9:39
